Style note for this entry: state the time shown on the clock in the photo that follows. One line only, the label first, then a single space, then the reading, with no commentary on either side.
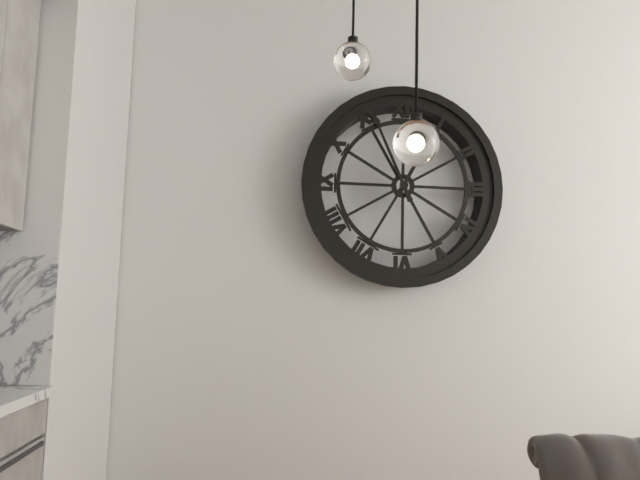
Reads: 12:56
